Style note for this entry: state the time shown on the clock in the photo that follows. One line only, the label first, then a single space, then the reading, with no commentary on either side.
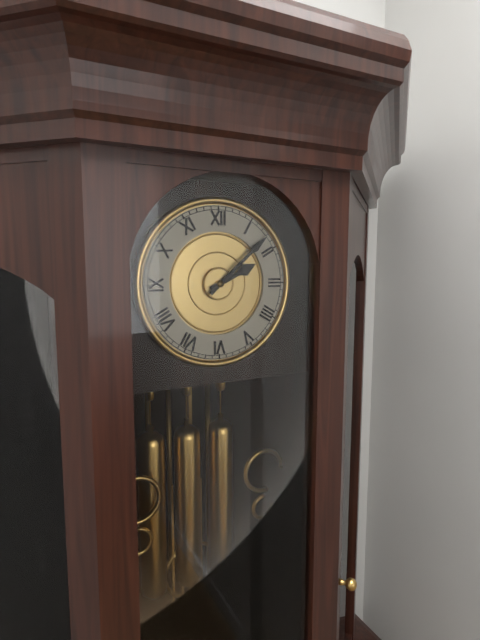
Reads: 2:08
